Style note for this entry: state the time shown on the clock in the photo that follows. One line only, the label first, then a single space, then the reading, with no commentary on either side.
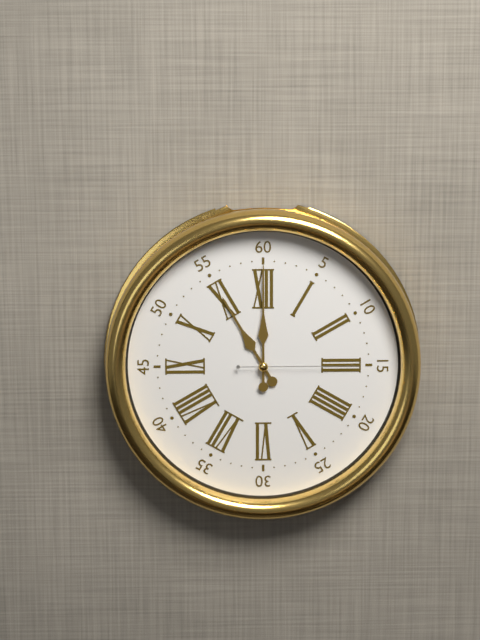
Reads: 11:00:15
